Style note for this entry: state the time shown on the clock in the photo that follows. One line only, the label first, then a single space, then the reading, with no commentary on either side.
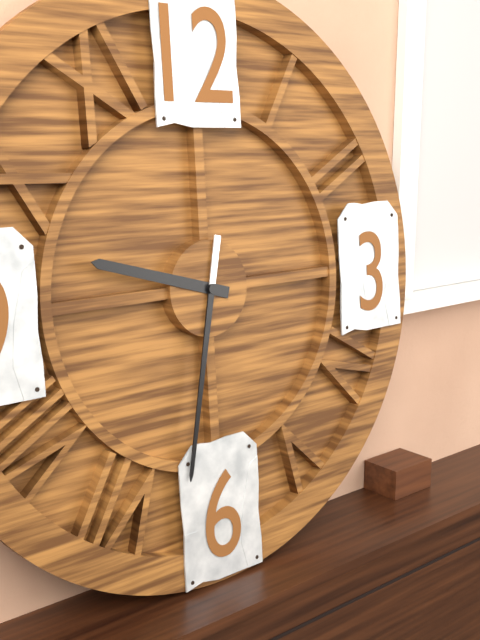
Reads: 9:32
